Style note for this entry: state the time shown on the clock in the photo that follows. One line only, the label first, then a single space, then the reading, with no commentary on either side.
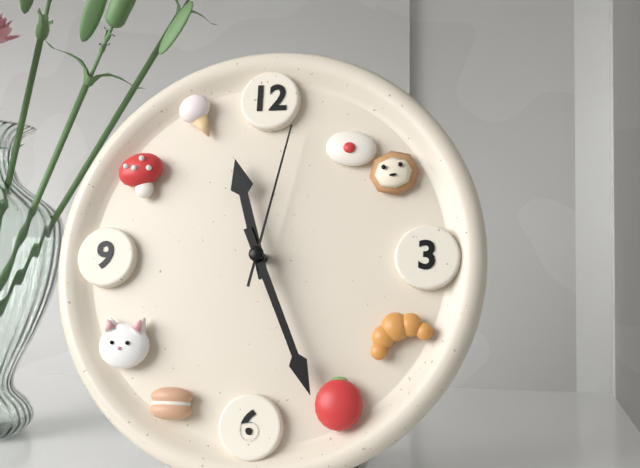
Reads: 11:26:02
